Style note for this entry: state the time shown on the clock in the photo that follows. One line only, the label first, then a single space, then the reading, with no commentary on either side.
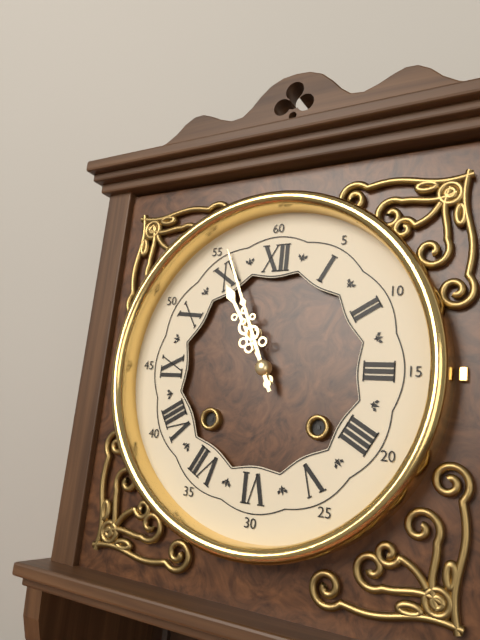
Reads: 10:56
